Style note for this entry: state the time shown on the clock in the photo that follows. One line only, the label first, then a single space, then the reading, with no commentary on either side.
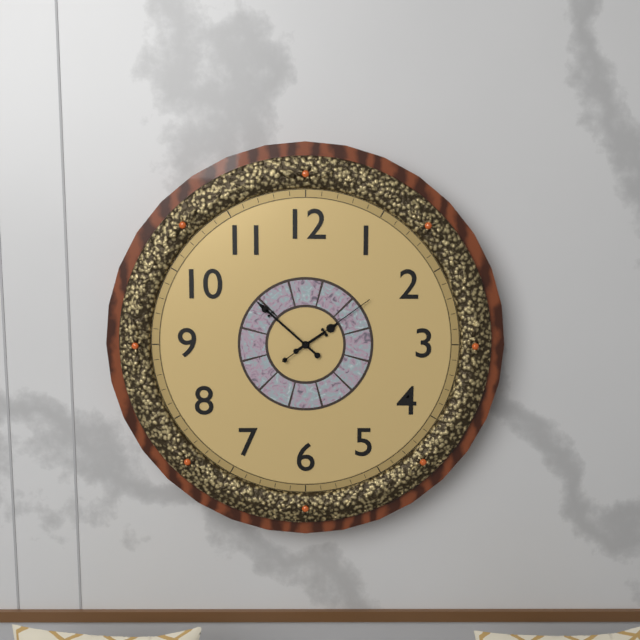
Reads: 1:52:09
